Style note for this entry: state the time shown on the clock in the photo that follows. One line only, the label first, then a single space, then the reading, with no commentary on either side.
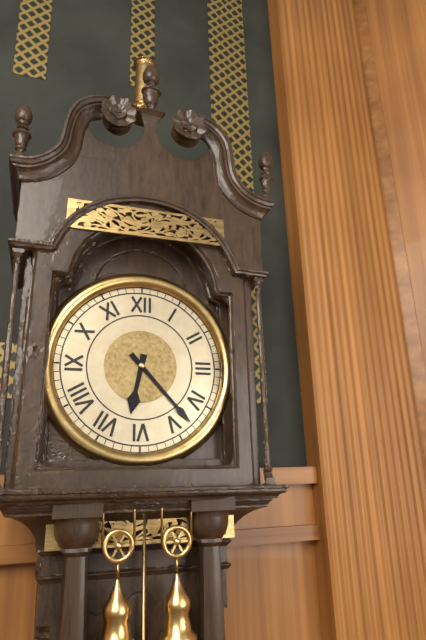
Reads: 6:23
